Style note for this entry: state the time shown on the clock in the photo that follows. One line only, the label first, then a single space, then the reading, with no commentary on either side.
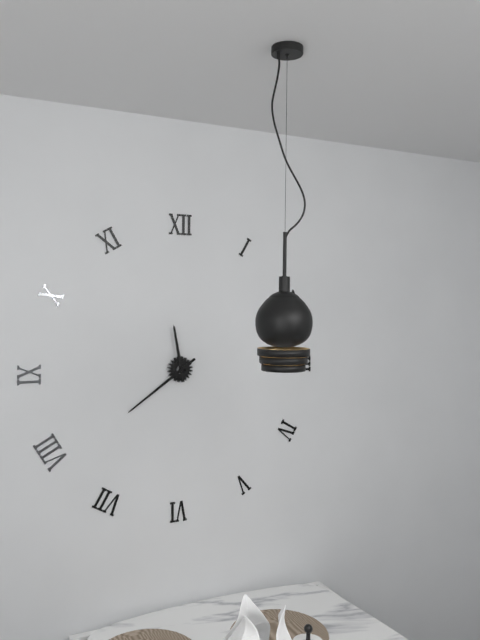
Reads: 11:39
